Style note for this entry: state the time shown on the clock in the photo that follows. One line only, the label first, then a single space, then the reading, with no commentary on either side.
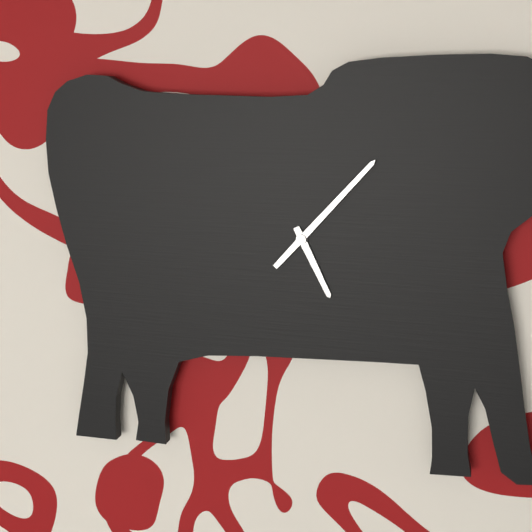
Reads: 5:07
